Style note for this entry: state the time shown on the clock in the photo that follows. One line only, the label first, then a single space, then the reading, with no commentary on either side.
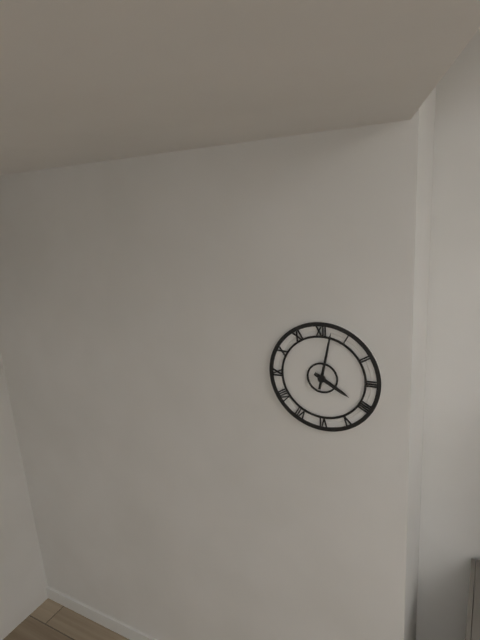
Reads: 4:02
